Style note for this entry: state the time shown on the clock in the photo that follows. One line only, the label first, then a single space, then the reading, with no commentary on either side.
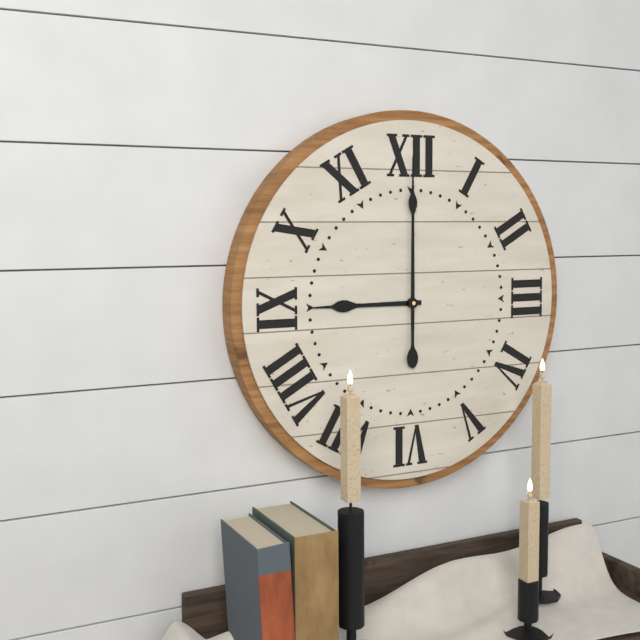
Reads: 9:00
